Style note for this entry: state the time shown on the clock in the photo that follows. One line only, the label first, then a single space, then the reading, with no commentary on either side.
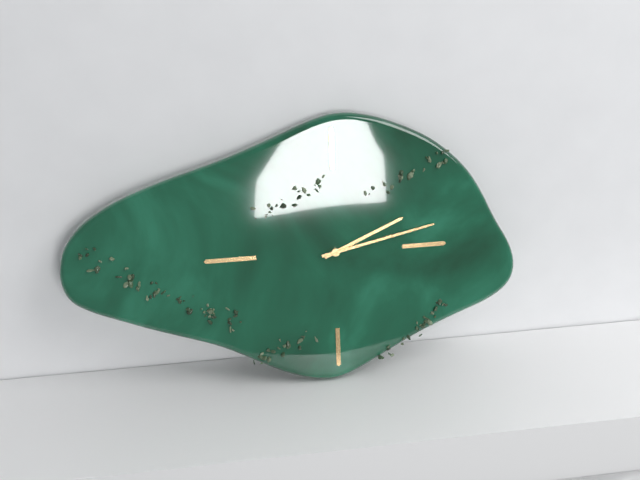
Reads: 2:13
